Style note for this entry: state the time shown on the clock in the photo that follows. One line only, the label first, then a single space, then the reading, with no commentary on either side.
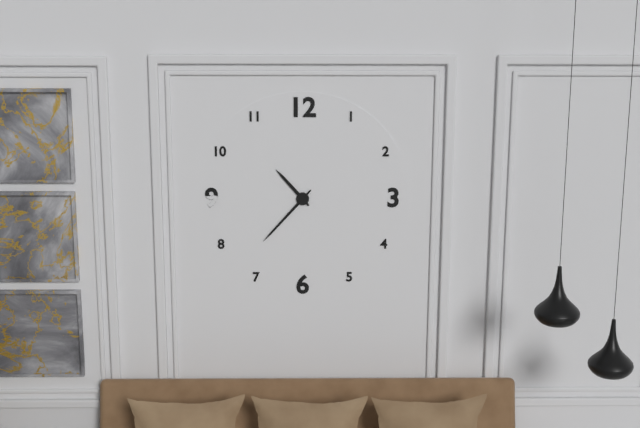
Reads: 10:37
